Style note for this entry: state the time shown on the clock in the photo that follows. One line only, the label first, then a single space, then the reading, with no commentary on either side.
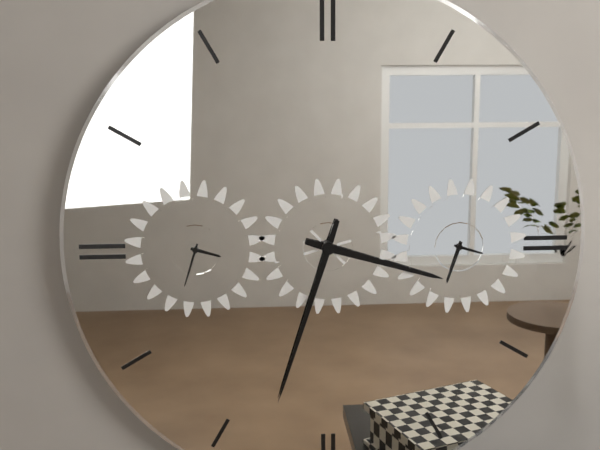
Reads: 3:33
